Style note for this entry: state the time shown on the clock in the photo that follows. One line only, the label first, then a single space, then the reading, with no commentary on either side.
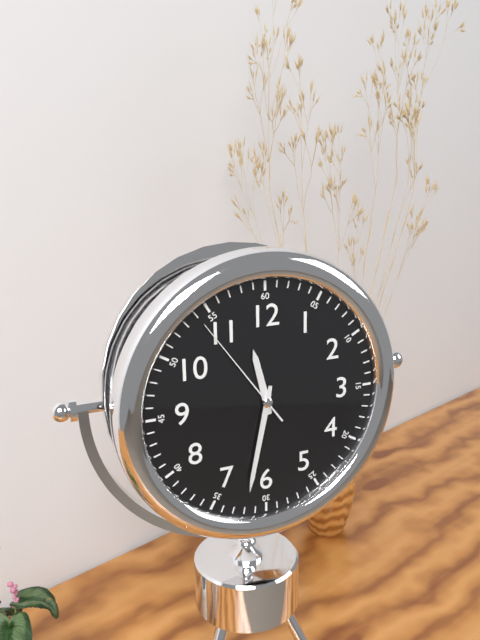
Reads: 11:32:54
